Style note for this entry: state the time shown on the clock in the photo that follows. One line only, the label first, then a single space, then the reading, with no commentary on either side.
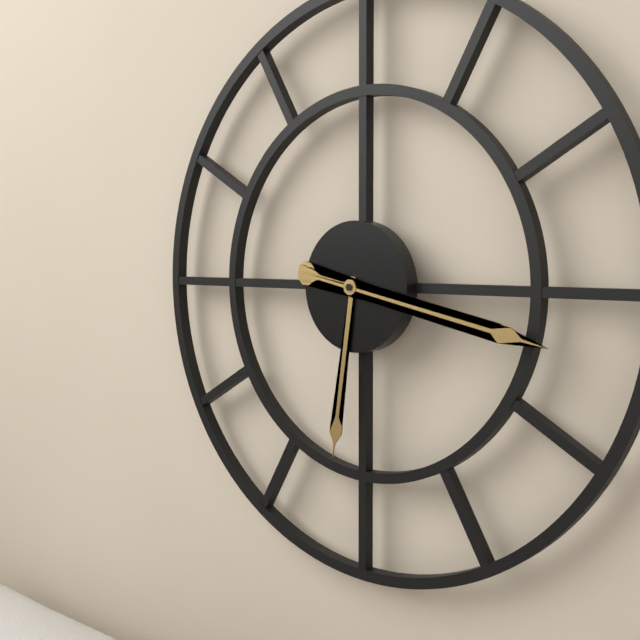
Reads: 6:17
